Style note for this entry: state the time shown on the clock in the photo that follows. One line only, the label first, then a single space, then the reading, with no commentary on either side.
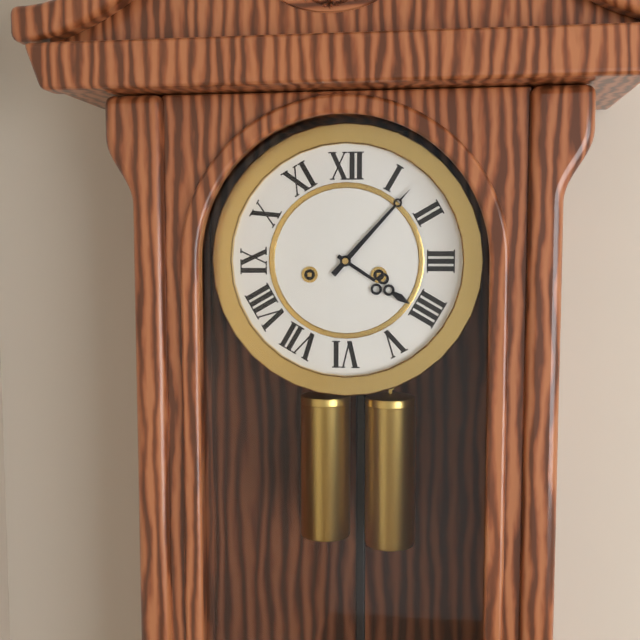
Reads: 4:07
